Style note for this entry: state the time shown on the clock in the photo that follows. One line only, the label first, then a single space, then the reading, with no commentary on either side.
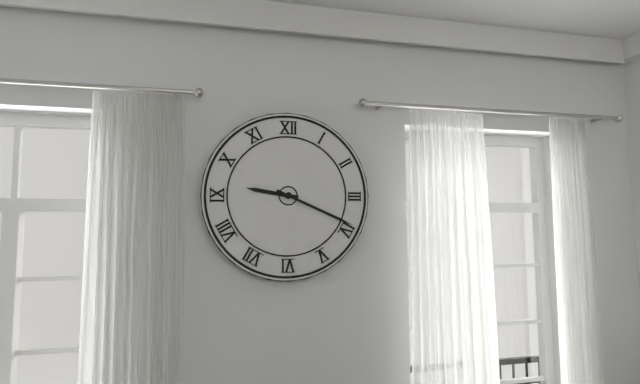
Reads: 9:19
